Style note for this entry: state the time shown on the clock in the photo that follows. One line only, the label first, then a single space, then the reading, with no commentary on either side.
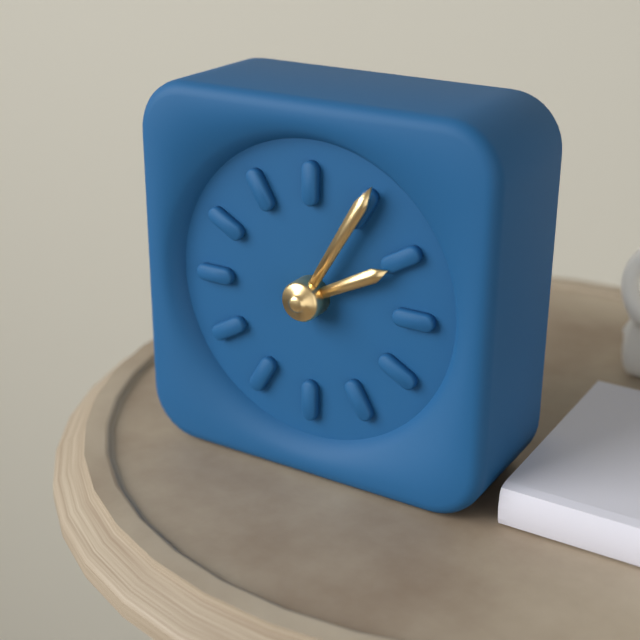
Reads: 2:05
